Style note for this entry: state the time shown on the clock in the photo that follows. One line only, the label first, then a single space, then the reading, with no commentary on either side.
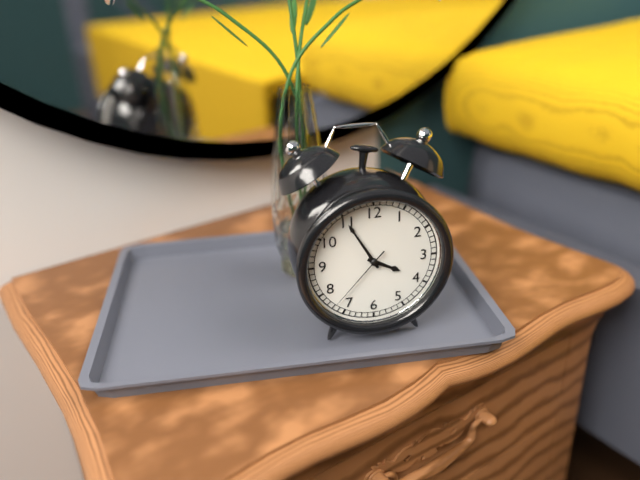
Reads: 3:55:37
